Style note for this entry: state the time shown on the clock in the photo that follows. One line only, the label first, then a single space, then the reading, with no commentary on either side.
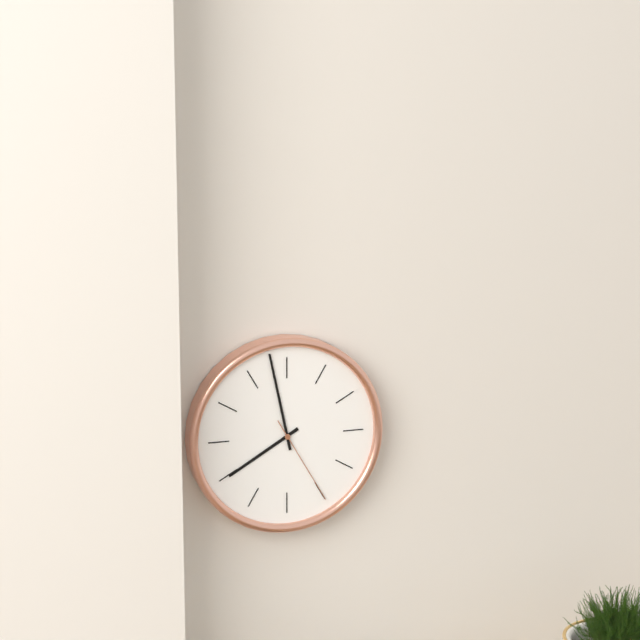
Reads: 7:58:25
